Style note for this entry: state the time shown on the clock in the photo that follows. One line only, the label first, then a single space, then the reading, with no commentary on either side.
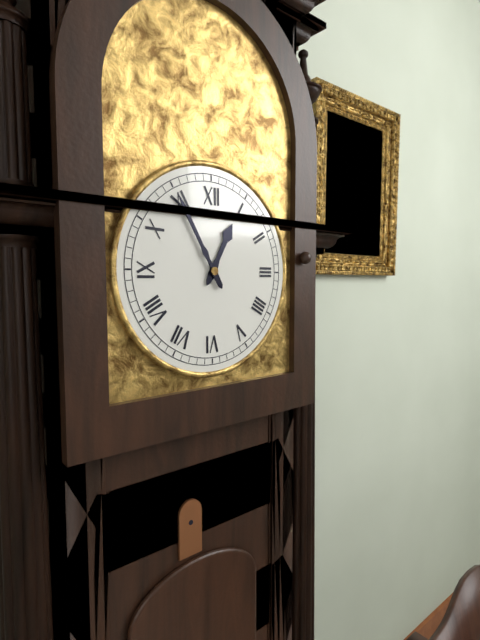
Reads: 12:55
